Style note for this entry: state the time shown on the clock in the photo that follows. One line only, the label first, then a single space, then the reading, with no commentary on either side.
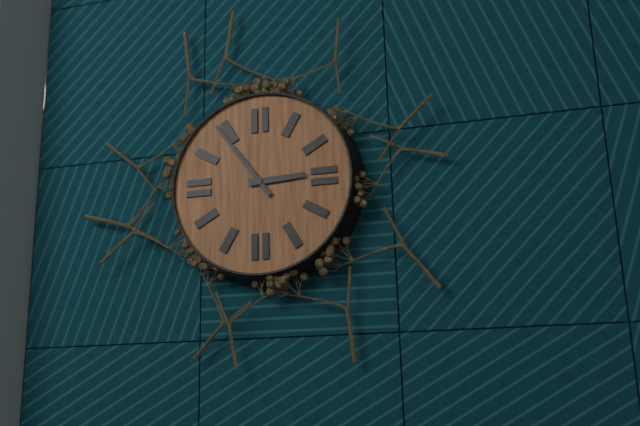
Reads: 2:54
